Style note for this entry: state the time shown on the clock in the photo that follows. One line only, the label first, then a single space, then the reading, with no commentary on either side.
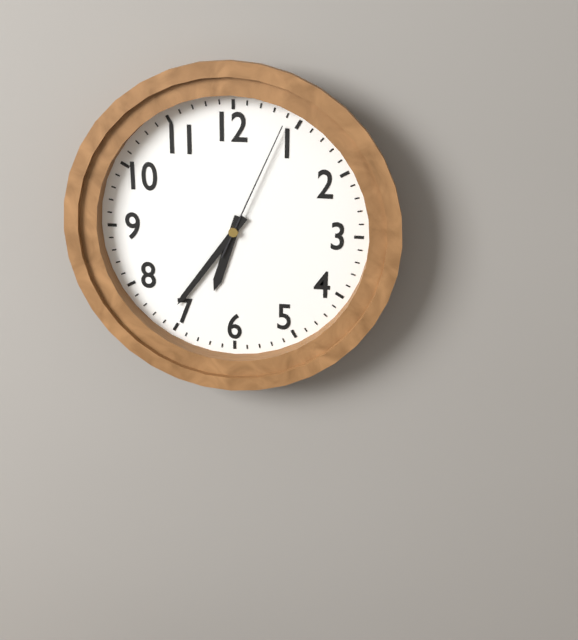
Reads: 6:36:04
